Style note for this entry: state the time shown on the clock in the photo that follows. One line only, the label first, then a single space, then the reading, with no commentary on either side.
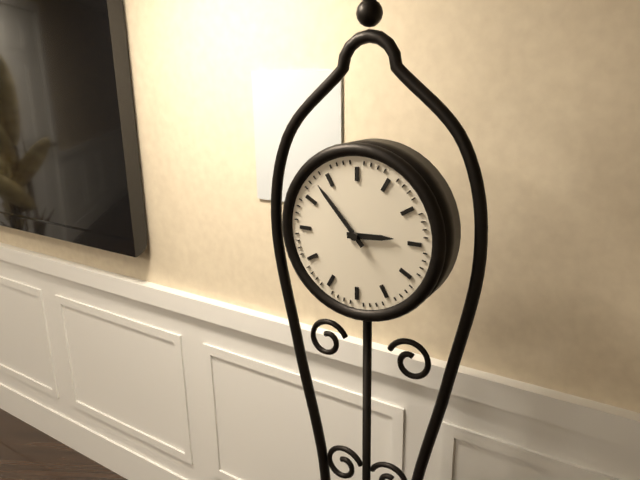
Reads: 2:53
